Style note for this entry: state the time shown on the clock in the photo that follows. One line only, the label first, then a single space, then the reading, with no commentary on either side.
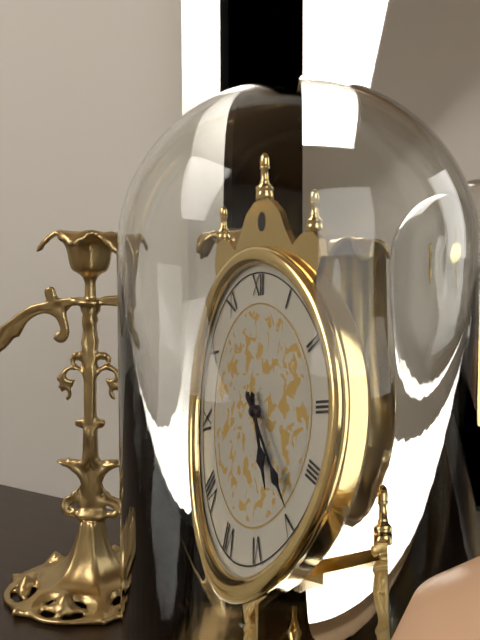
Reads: 5:24
